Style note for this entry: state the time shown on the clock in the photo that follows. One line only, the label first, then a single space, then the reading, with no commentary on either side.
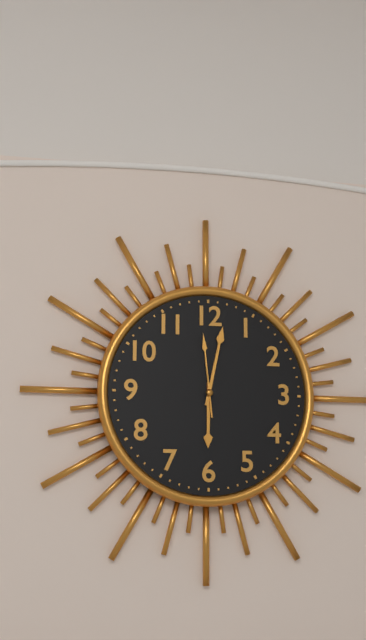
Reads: 6:02:59
